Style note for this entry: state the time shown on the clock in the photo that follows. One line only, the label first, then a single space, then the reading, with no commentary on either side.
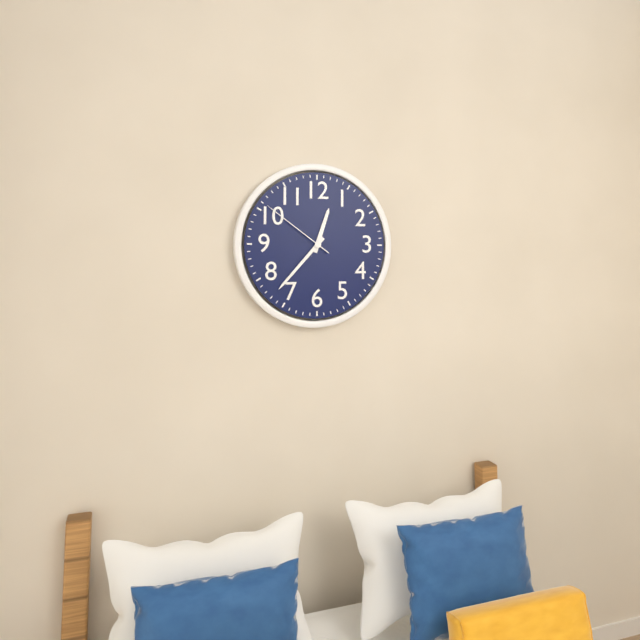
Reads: 12:37:51
